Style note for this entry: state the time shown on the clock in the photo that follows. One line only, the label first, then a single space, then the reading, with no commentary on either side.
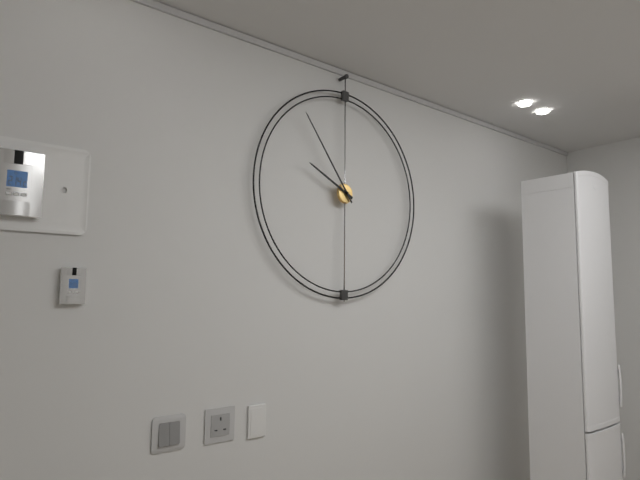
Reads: 9:54
